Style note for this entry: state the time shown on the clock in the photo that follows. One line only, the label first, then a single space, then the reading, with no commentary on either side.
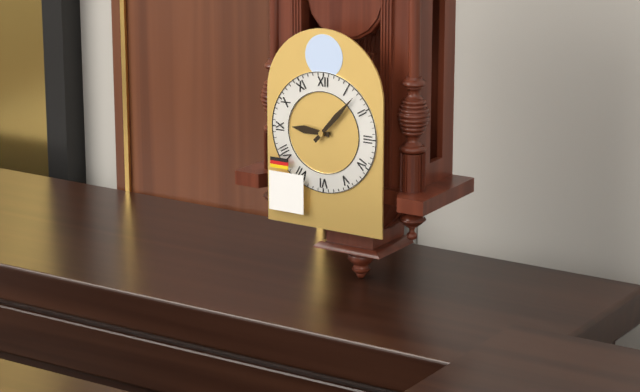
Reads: 9:07
